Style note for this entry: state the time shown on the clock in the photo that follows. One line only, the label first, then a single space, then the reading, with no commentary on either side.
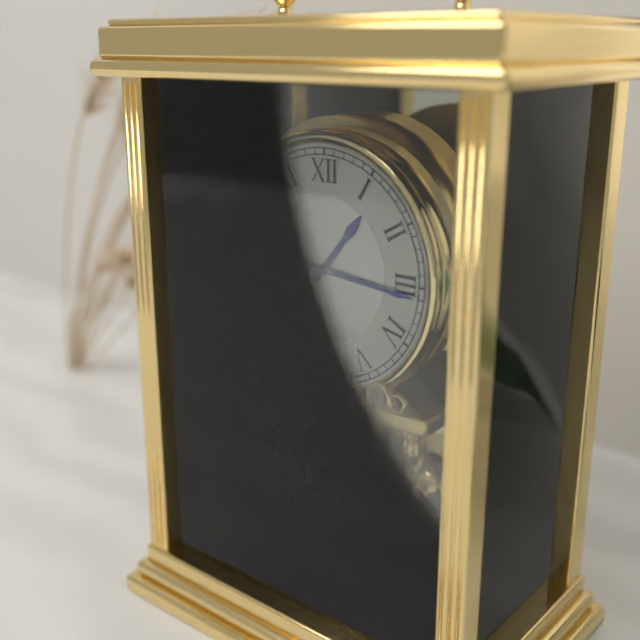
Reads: 1:16
